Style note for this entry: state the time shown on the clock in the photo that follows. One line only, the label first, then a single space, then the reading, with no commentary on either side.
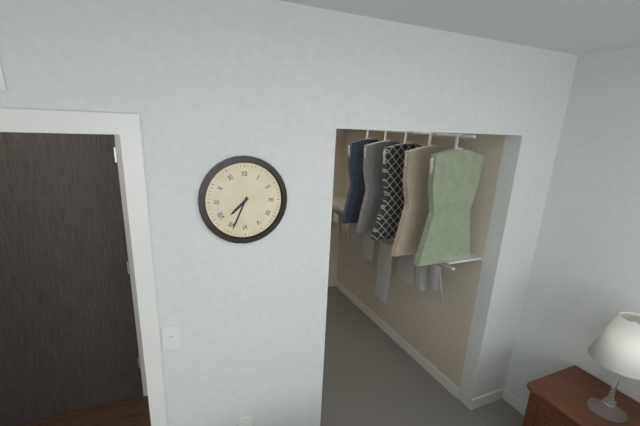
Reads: 7:34
